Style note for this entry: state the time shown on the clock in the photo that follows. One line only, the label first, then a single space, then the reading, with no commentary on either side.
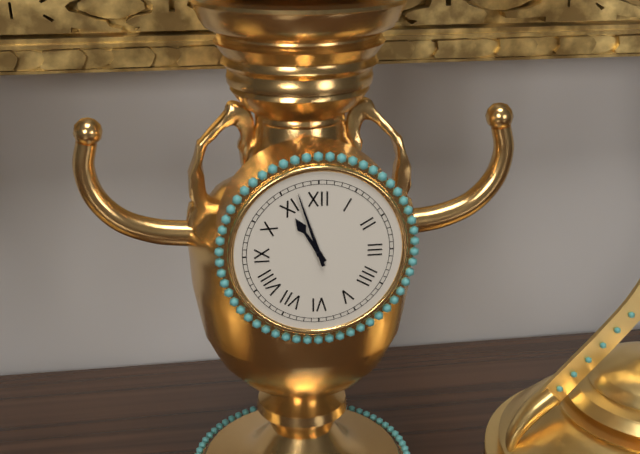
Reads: 10:57
